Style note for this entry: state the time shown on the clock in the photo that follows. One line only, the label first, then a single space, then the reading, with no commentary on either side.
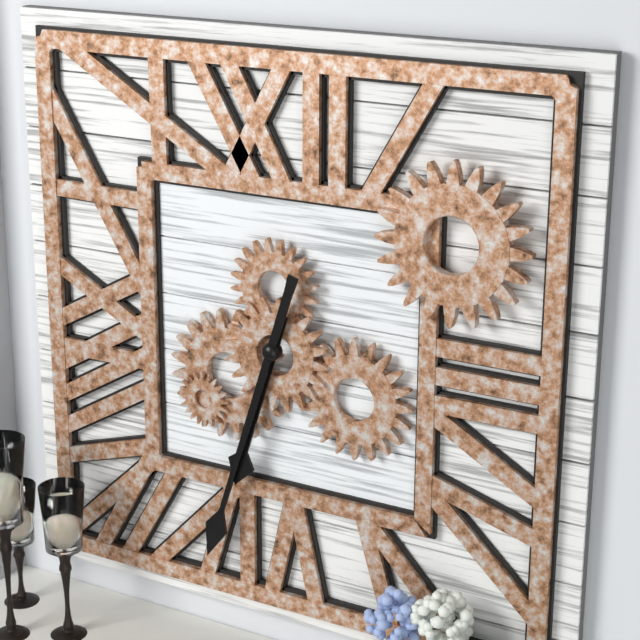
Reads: 6:33
